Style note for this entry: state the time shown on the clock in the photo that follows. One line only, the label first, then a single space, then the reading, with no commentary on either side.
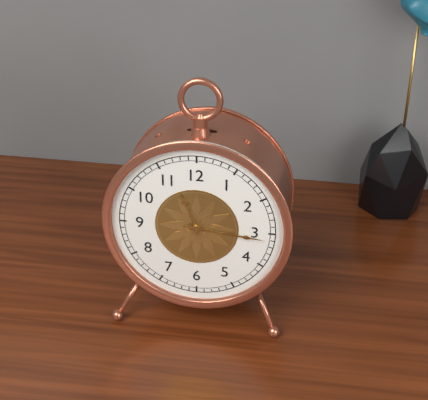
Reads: 11:16
